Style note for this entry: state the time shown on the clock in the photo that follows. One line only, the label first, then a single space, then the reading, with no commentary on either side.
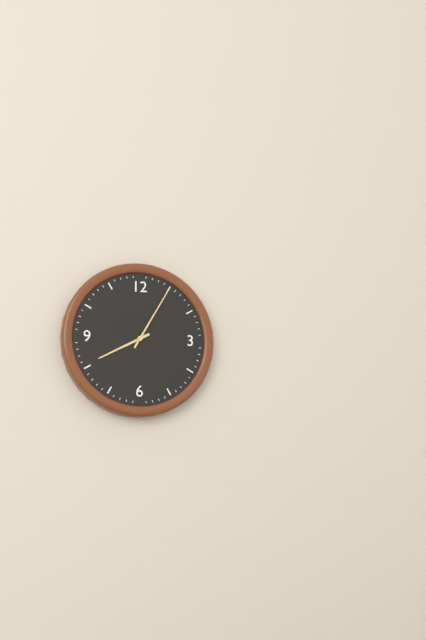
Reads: 8:05
